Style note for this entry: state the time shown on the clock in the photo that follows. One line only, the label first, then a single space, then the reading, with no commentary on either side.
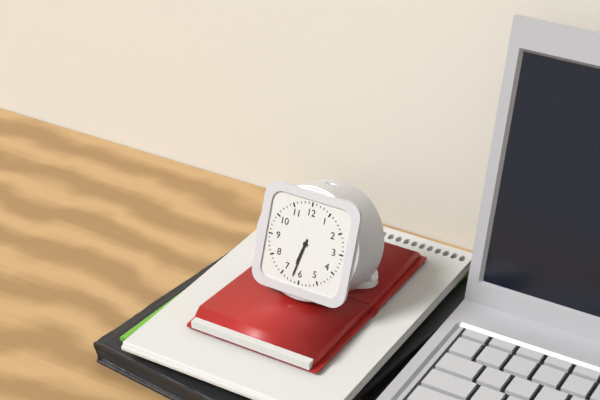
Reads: 6:32
